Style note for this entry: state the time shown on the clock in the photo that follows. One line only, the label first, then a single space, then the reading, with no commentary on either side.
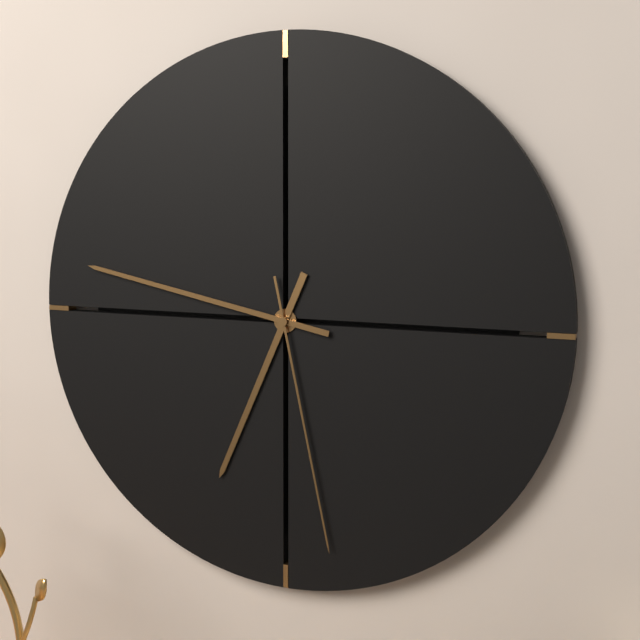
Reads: 6:47:28
